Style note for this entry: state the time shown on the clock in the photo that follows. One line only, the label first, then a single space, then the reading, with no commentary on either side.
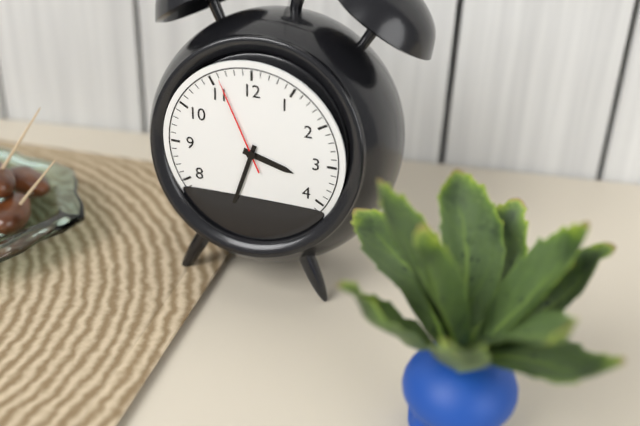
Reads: 3:33:56
